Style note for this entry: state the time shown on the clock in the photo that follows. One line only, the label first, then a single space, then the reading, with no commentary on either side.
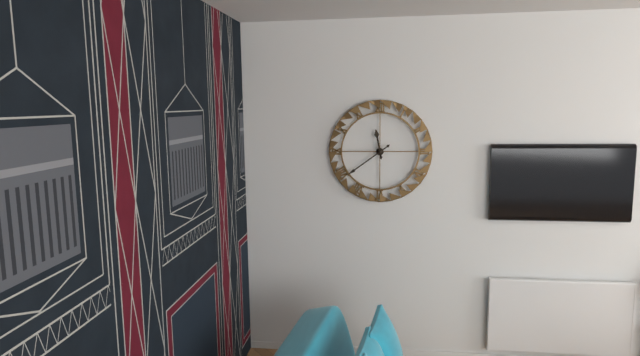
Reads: 11:39
